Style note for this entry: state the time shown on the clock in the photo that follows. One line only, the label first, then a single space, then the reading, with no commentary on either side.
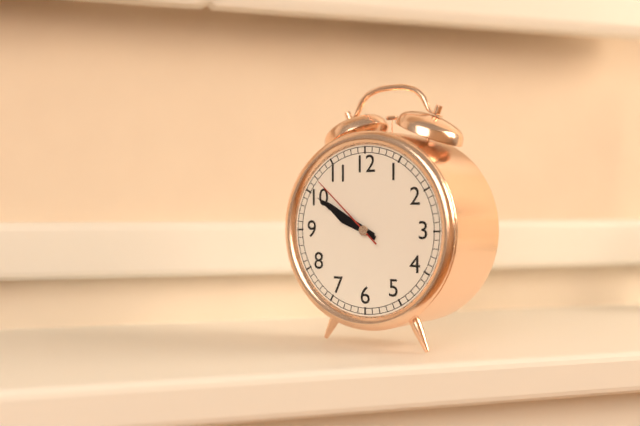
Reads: 9:50:52
